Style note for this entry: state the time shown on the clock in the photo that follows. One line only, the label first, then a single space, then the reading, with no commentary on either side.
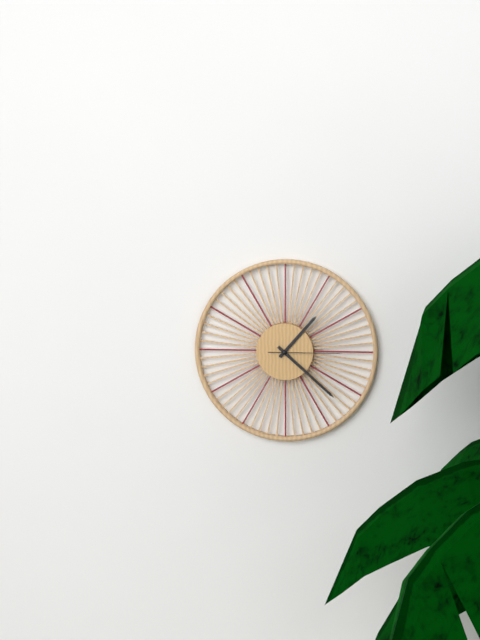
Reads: 1:22:15
